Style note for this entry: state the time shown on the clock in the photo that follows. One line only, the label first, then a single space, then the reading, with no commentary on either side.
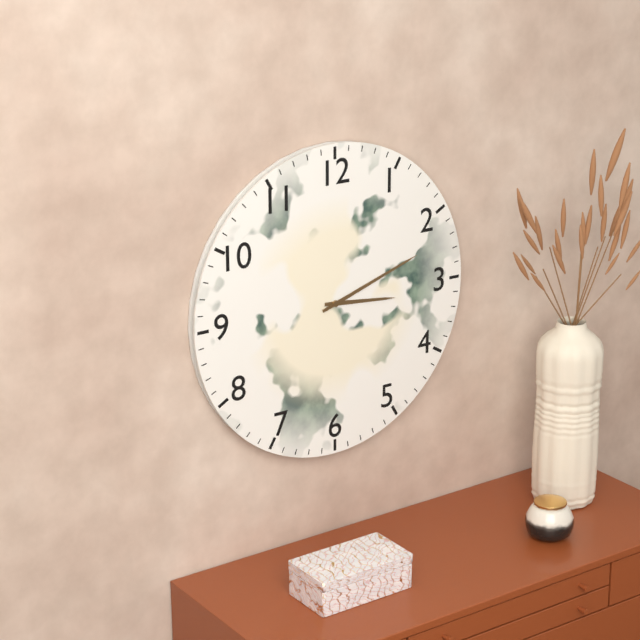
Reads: 3:12
